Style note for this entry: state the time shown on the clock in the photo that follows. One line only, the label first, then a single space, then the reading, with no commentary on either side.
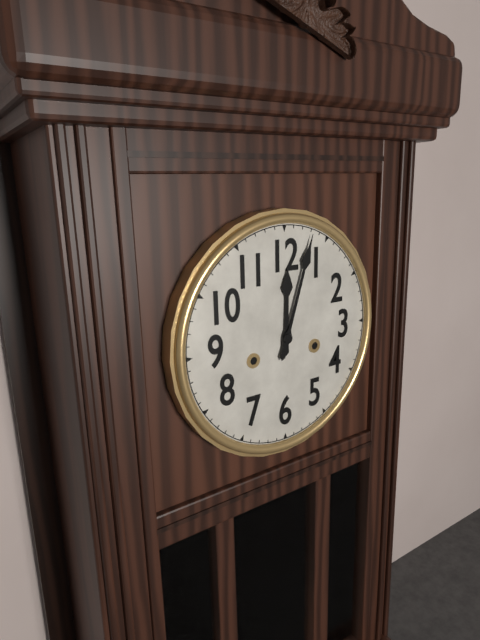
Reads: 12:03
